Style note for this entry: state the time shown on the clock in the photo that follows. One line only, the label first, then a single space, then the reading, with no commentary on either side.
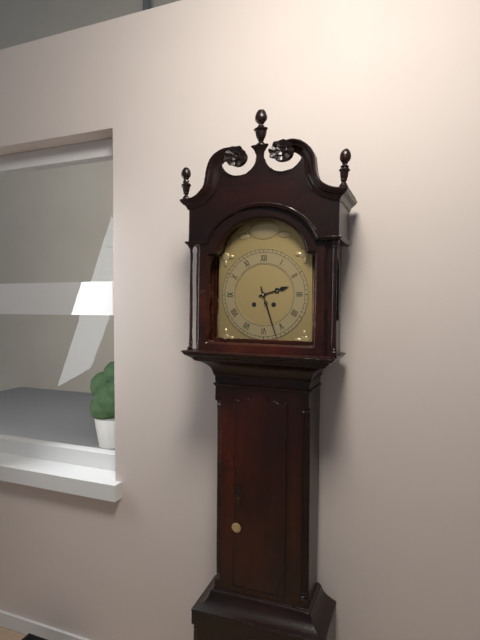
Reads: 2:27
